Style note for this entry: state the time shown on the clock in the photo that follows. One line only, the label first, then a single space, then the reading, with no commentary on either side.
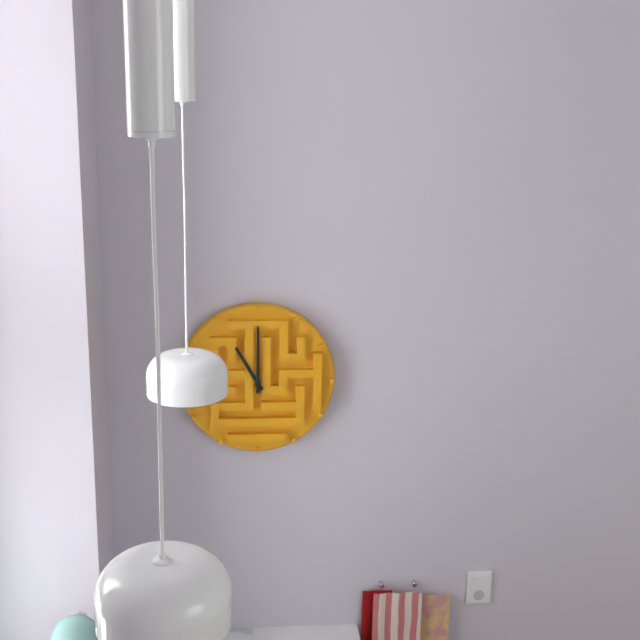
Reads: 11:00
